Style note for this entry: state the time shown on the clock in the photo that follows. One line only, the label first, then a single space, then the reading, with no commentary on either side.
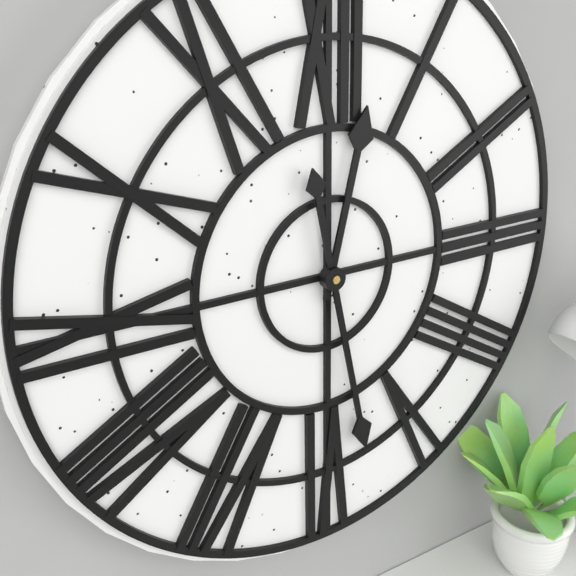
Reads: 12:28
